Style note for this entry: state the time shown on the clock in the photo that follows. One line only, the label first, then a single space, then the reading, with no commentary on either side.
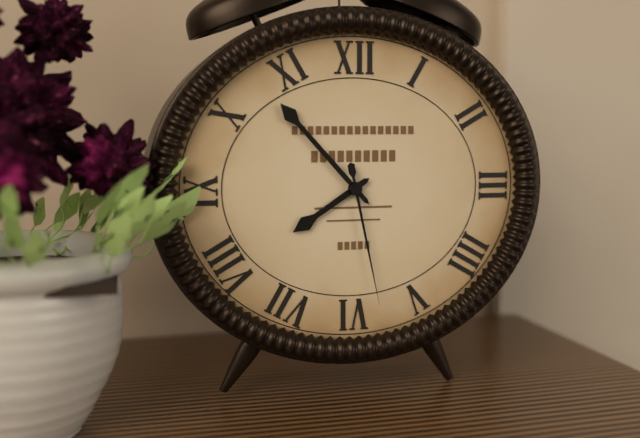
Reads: 7:53:28
